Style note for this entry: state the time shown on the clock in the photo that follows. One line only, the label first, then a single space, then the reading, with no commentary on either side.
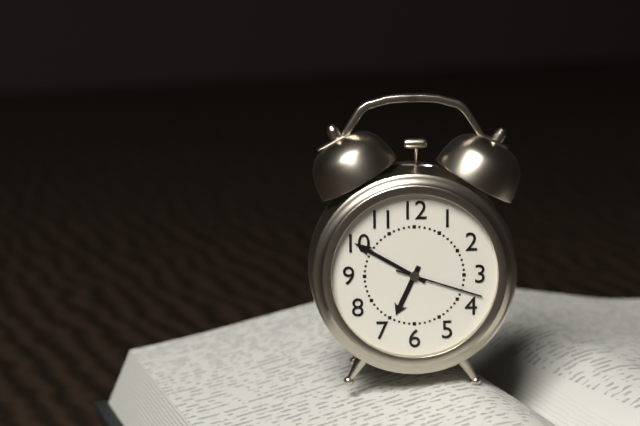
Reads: 6:50:18
